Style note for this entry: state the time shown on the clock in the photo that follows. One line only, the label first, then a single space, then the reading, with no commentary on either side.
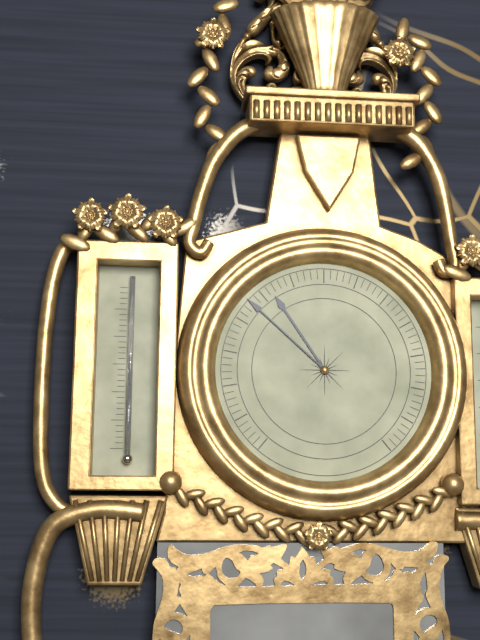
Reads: 10:52
